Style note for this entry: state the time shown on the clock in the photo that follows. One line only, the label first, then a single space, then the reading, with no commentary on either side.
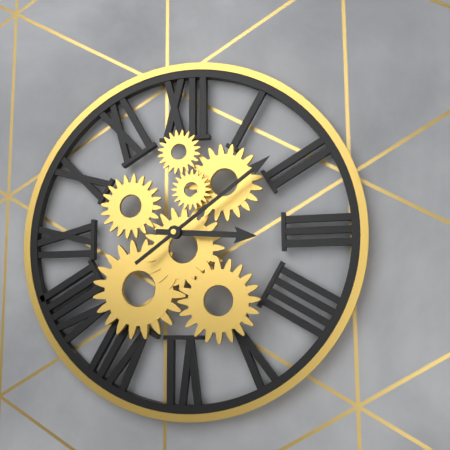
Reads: 3:09
